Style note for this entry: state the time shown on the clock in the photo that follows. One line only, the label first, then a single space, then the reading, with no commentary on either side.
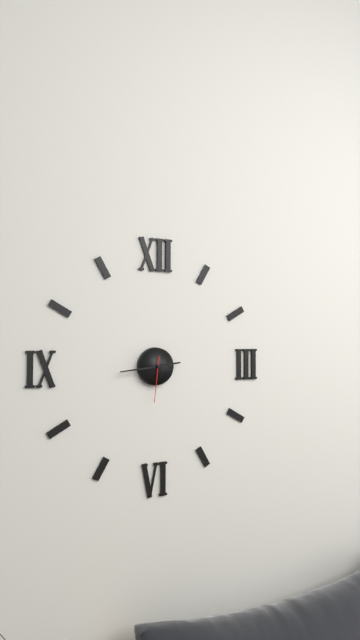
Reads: 2:44
